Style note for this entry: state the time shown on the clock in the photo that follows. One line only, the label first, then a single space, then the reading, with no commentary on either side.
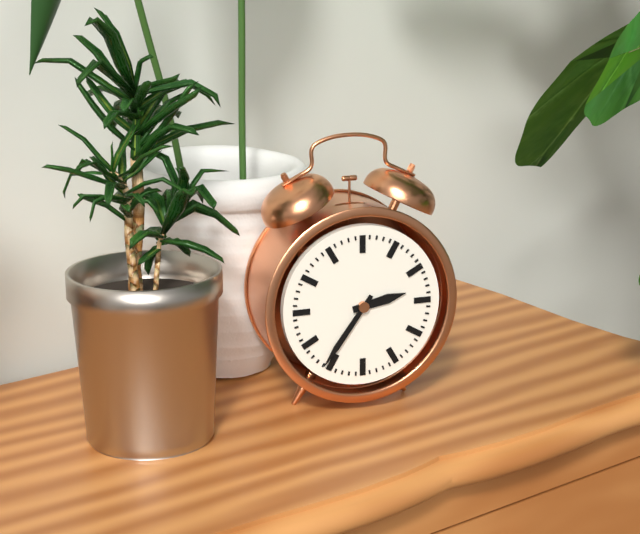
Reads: 2:36
